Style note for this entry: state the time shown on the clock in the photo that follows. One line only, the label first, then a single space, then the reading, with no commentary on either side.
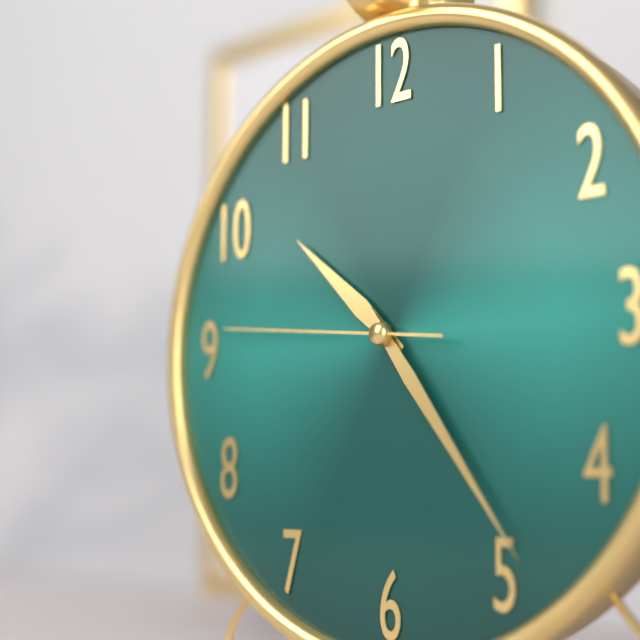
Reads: 10:24:46
